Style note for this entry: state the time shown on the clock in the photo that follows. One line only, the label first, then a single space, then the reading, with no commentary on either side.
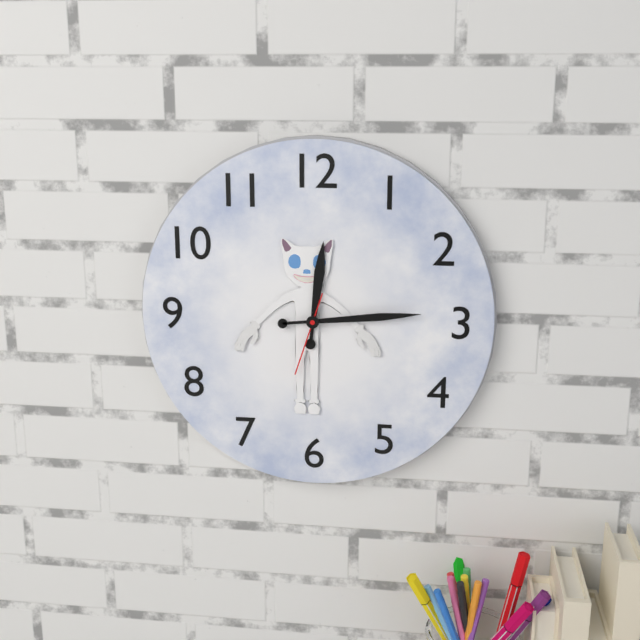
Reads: 12:14:33
